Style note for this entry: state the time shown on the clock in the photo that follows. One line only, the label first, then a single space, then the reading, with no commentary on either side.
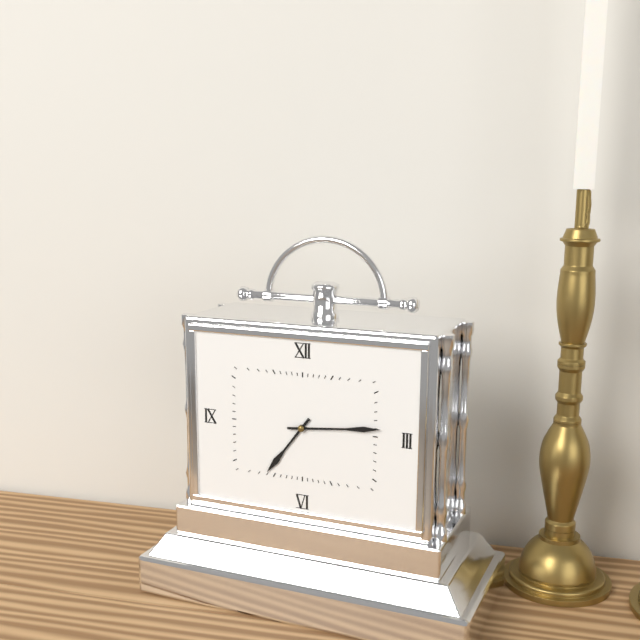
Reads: 7:14
